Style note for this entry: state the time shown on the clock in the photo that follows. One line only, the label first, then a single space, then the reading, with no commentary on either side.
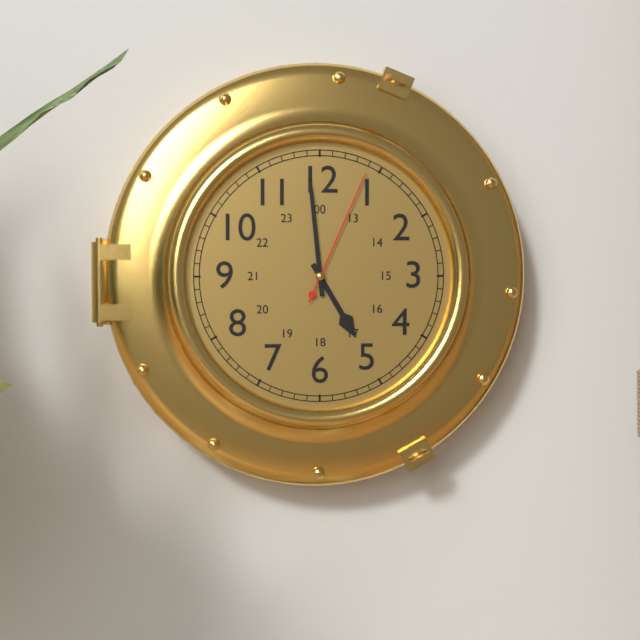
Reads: 4:59:04
